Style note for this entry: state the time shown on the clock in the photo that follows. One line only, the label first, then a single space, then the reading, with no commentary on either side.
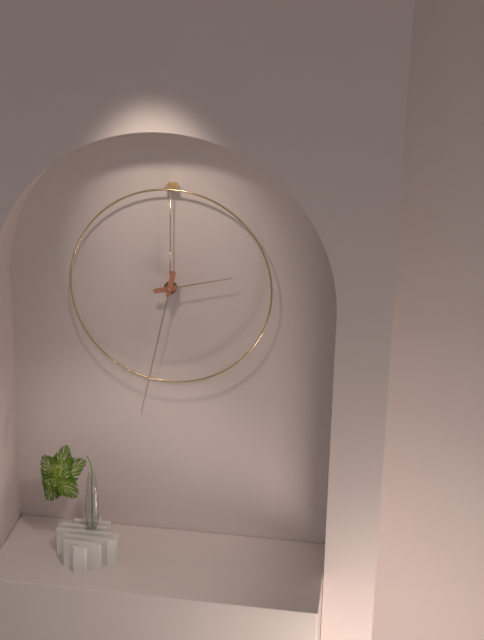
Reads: 2:32
